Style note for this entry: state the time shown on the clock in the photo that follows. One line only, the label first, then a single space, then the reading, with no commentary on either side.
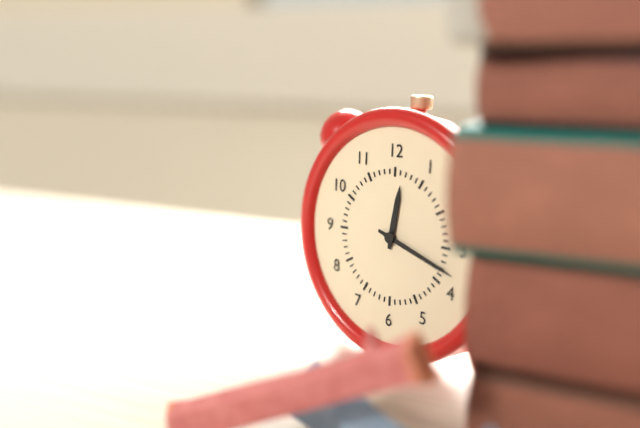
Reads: 12:18
